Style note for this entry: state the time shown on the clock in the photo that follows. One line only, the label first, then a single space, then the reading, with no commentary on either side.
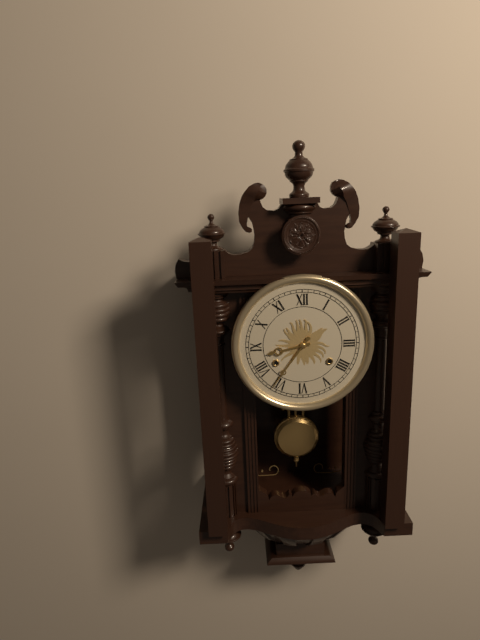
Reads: 8:36
